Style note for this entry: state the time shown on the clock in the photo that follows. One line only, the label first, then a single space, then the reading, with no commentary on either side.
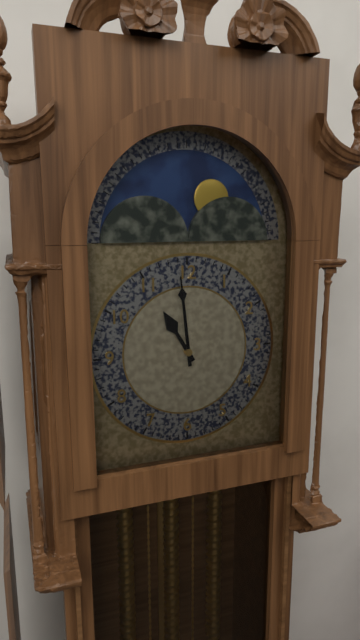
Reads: 10:59
